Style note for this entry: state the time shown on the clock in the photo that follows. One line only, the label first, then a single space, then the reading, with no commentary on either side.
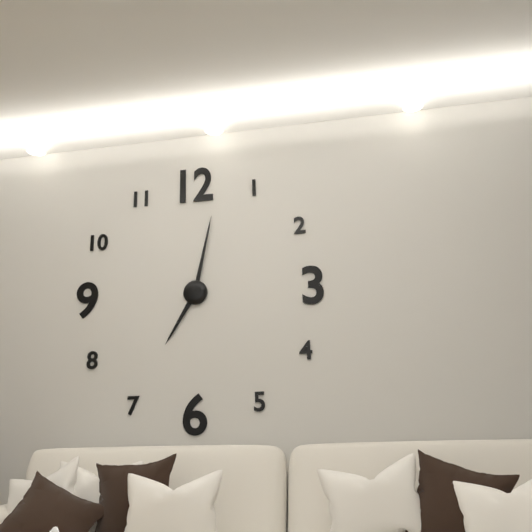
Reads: 7:02
